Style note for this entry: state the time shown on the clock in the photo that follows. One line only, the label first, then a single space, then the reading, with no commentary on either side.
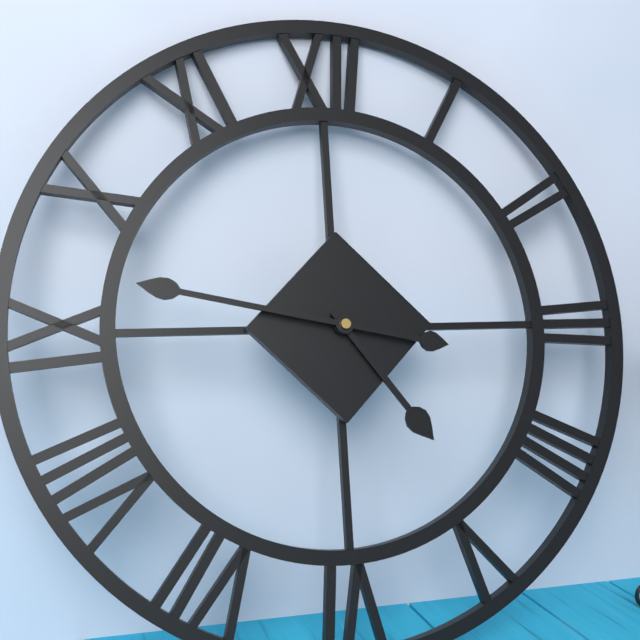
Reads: 4:47
